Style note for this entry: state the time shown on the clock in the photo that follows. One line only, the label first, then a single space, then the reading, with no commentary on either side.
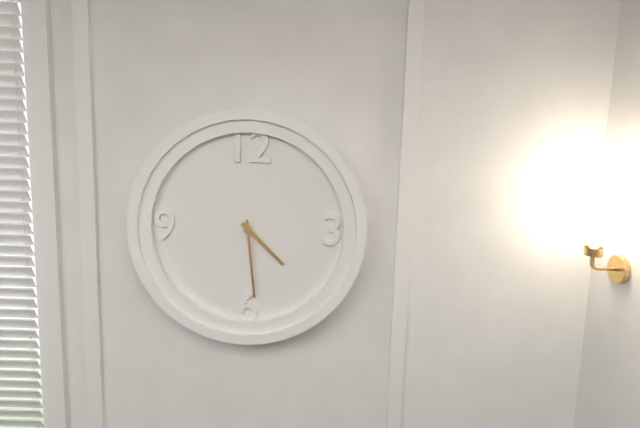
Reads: 4:29
